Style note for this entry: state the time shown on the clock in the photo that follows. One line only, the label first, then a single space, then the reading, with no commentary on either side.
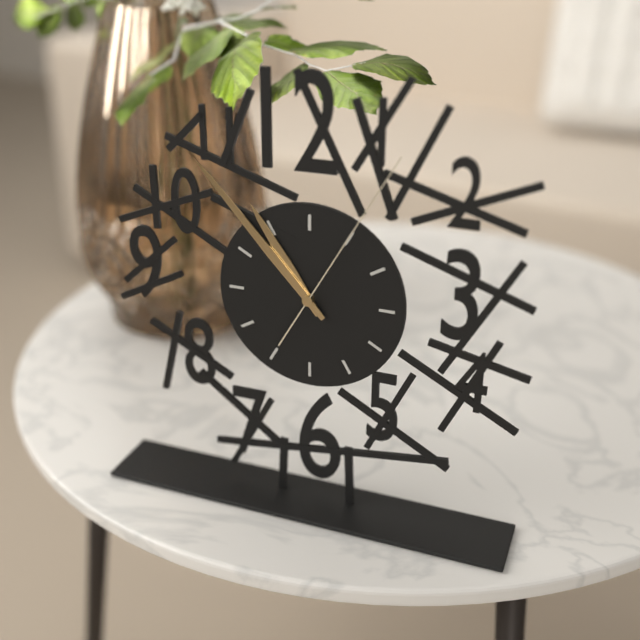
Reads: 10:53:05
